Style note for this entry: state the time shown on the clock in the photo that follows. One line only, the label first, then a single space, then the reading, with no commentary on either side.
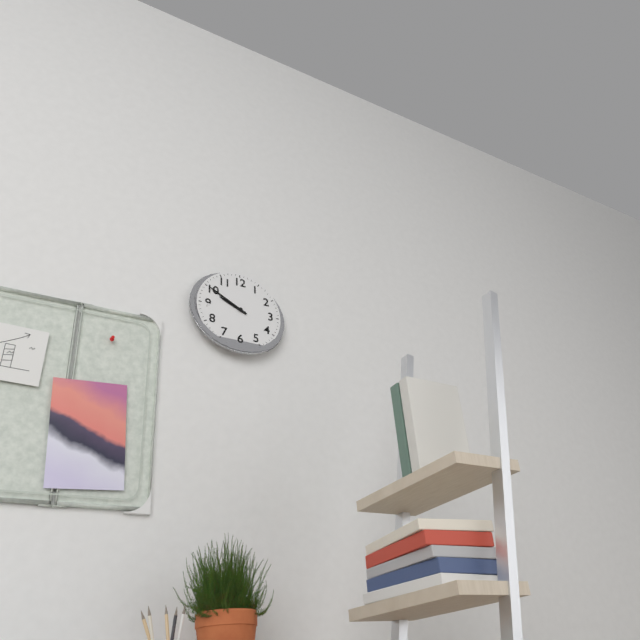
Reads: 9:50
